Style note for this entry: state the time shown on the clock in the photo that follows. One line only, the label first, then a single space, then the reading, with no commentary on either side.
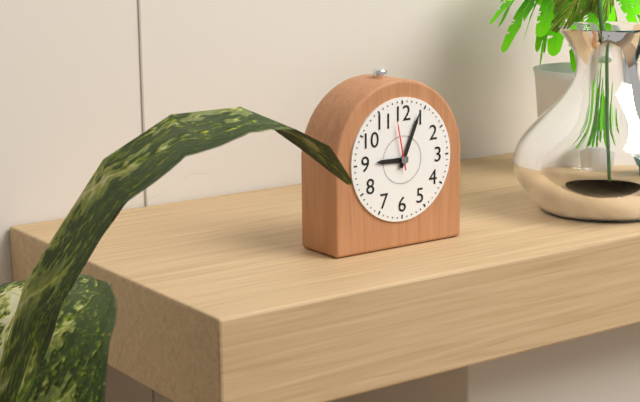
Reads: 9:04:58
